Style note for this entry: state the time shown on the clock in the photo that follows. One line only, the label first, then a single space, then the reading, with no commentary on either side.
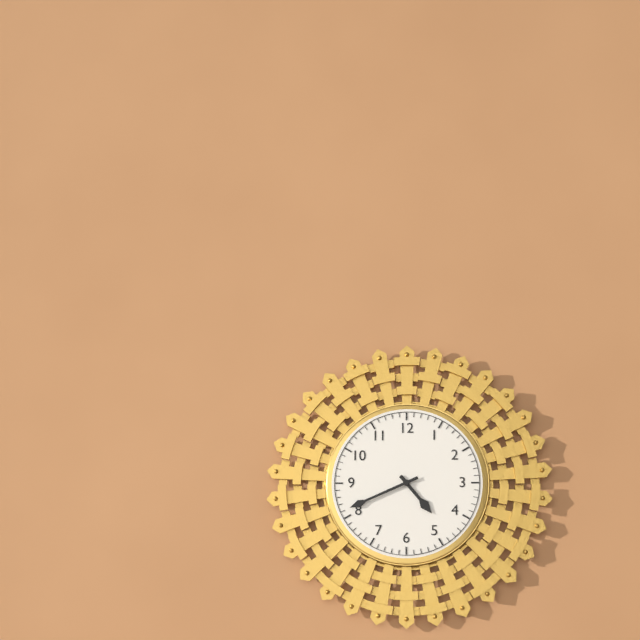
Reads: 4:41
